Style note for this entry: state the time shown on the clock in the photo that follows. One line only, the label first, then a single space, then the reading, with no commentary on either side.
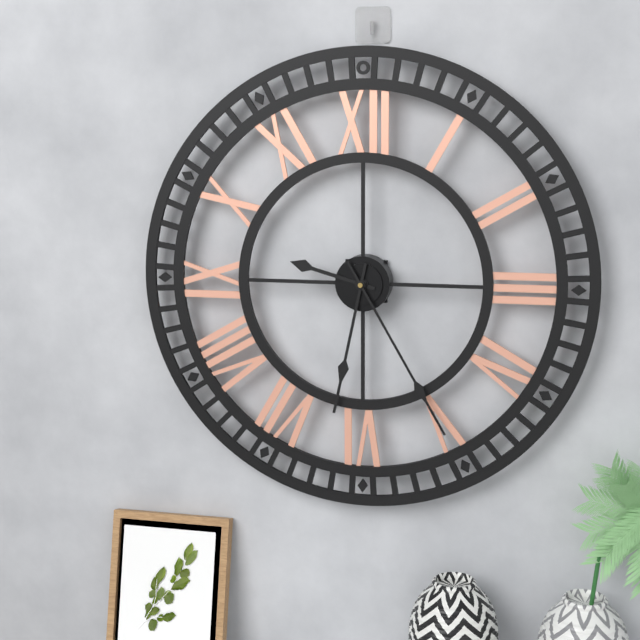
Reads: 9:32:25
